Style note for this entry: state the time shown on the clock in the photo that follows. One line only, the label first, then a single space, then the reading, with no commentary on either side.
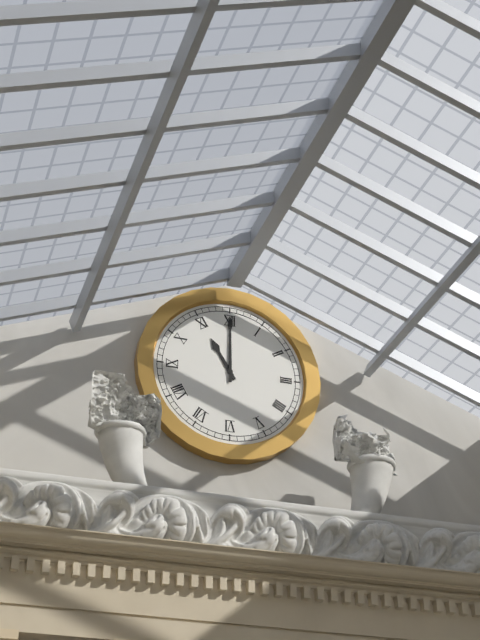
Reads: 11:00
